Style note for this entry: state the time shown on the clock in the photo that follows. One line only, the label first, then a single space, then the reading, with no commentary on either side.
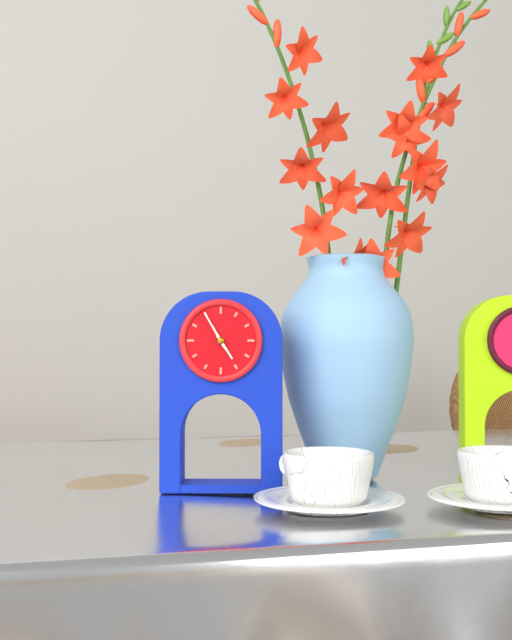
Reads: 4:55
